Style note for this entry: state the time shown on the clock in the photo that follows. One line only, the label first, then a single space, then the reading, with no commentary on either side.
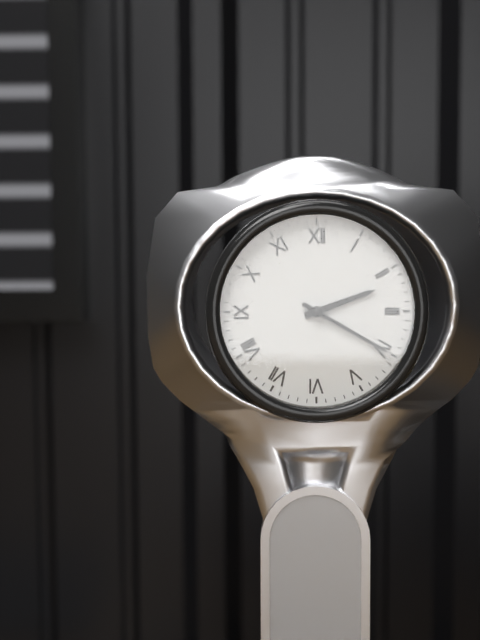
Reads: 2:20
